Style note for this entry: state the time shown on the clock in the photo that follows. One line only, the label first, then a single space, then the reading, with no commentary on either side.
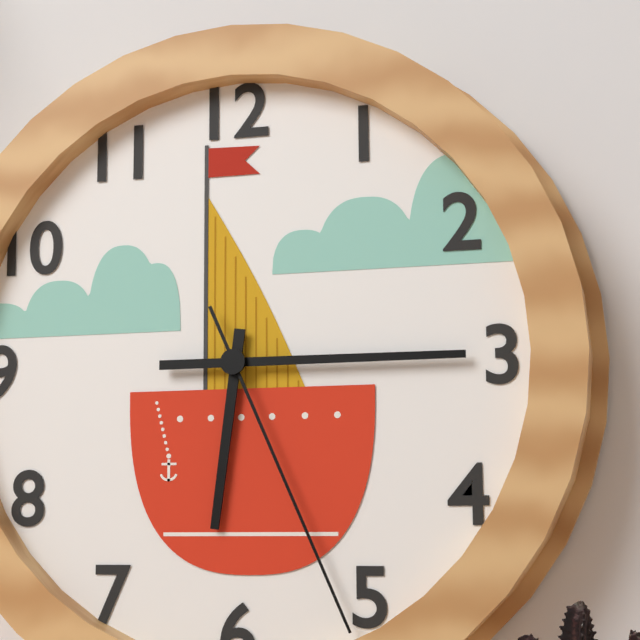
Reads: 6:15:26
